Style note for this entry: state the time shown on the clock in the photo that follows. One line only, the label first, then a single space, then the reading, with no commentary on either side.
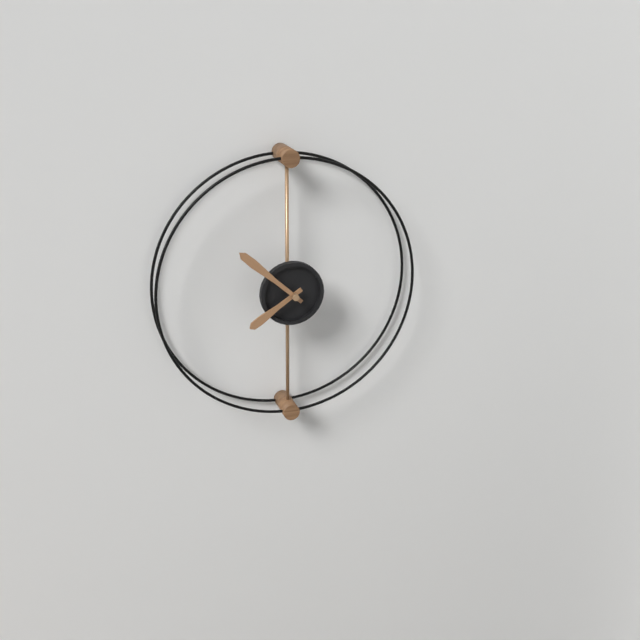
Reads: 7:52
